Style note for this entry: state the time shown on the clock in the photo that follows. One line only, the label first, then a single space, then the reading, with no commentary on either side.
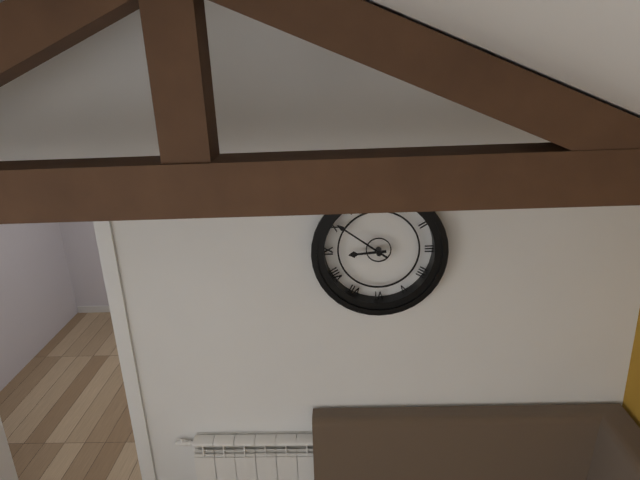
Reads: 8:51
